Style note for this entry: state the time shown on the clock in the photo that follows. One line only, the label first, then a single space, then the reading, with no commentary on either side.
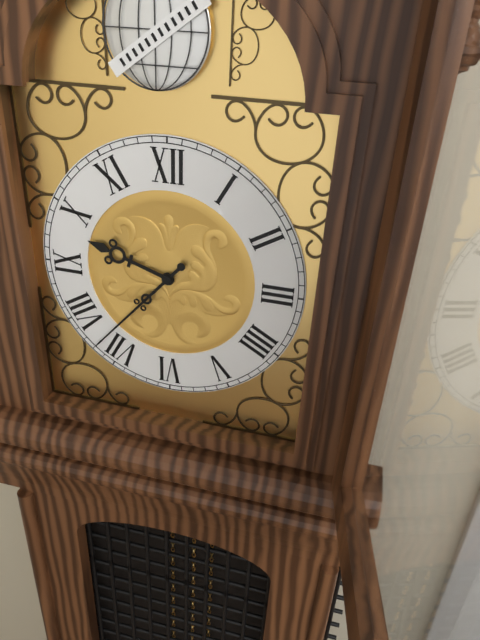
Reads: 9:37
